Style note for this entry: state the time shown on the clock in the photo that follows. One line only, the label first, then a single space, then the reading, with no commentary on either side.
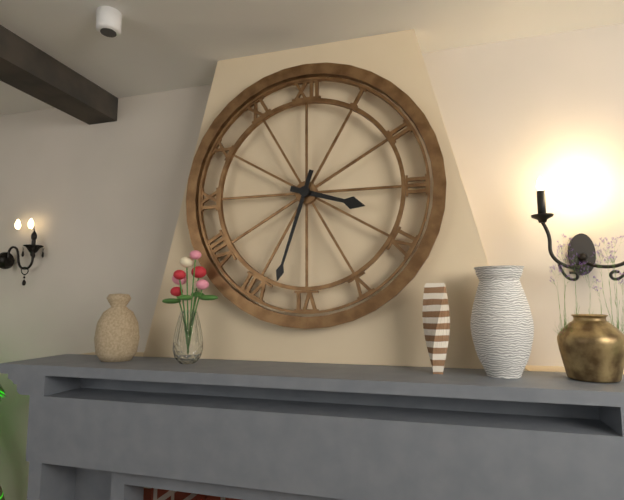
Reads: 3:33
